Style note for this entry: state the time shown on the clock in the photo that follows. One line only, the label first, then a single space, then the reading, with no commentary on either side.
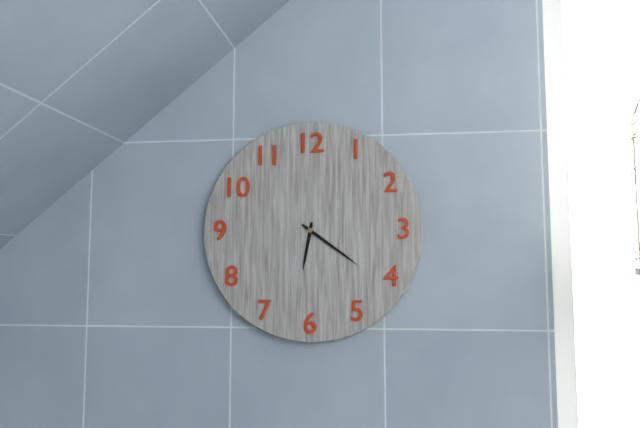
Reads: 6:21
